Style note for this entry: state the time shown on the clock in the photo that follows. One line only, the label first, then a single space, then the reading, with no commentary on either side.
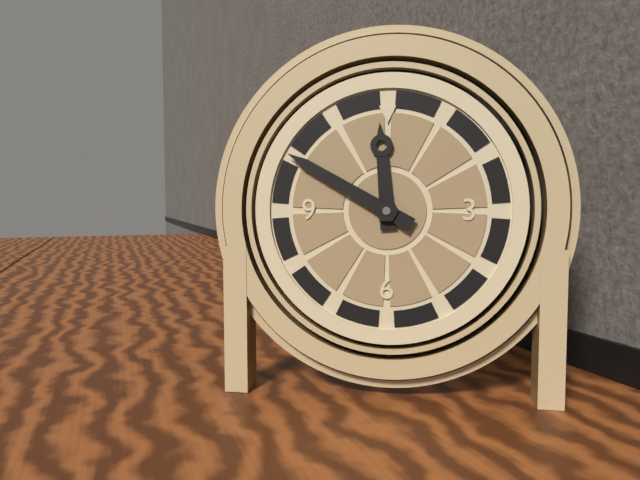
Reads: 11:50
